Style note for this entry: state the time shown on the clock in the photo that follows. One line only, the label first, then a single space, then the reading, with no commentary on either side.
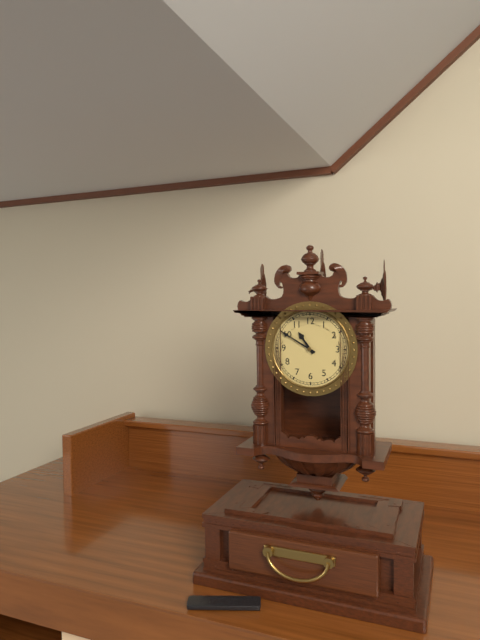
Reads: 10:50
